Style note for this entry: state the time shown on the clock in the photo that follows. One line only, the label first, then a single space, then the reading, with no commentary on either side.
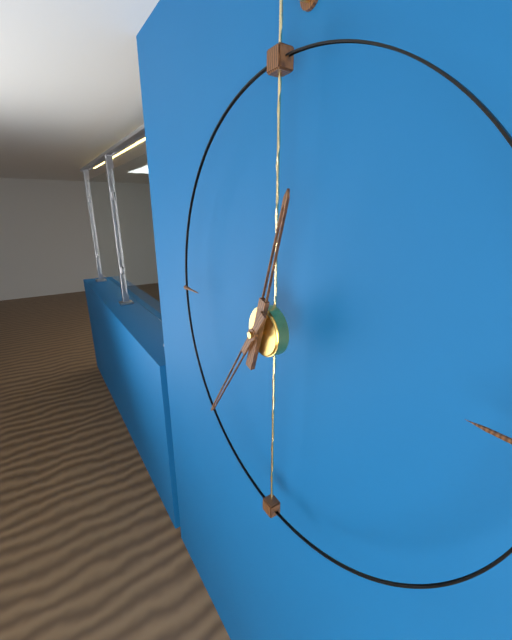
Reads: 12:36
